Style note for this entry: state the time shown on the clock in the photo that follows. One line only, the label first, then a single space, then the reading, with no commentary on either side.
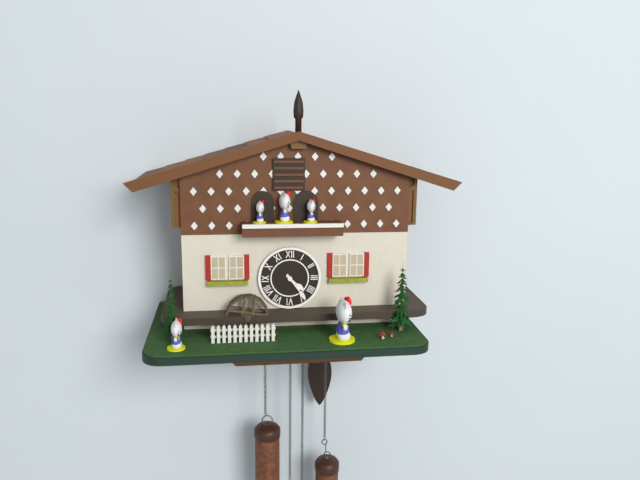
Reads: 4:24
